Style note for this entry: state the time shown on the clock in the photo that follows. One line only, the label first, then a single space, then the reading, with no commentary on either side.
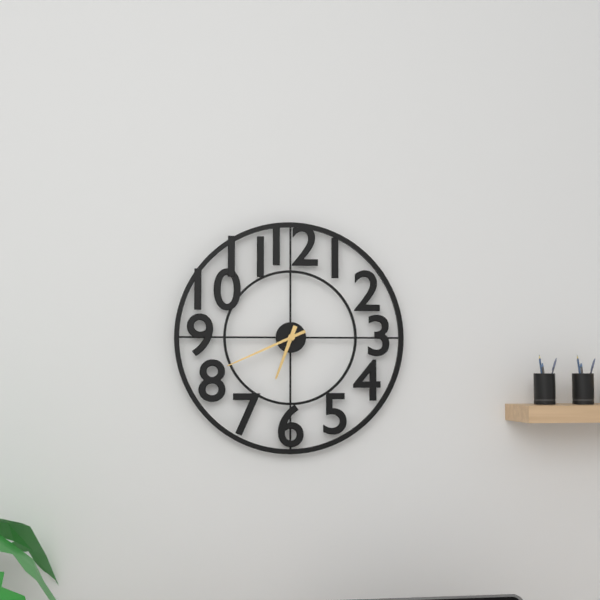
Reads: 6:41
